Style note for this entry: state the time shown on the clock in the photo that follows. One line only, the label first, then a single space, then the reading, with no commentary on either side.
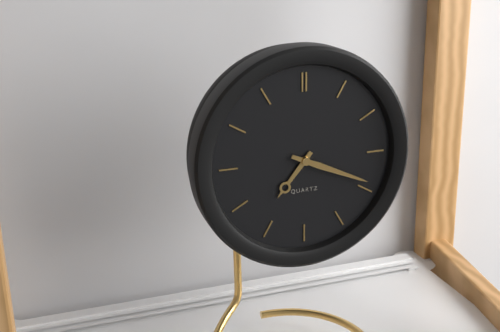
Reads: 7:19
